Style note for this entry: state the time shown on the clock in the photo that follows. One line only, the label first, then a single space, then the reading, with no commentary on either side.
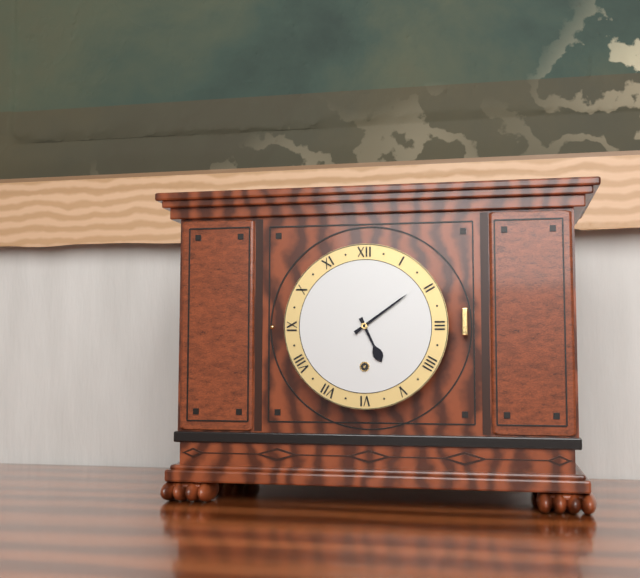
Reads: 5:09
